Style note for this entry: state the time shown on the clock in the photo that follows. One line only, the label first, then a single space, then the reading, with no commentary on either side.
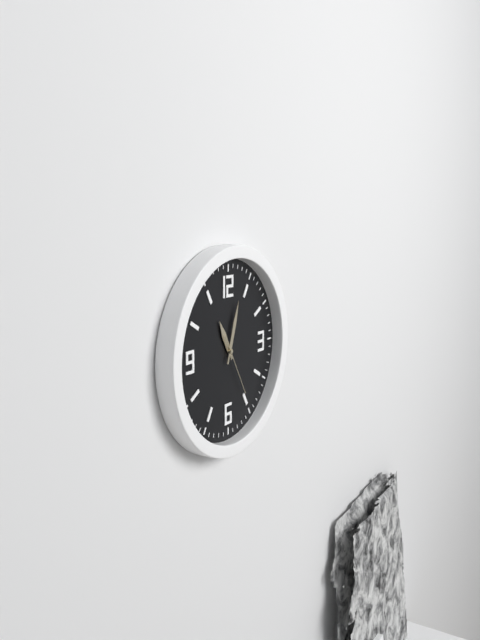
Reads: 11:03:25
